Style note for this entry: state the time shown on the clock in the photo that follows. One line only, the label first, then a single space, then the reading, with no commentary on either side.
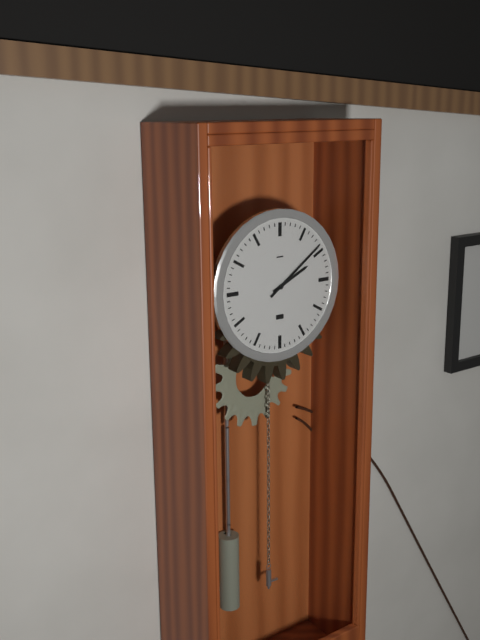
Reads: 2:09
